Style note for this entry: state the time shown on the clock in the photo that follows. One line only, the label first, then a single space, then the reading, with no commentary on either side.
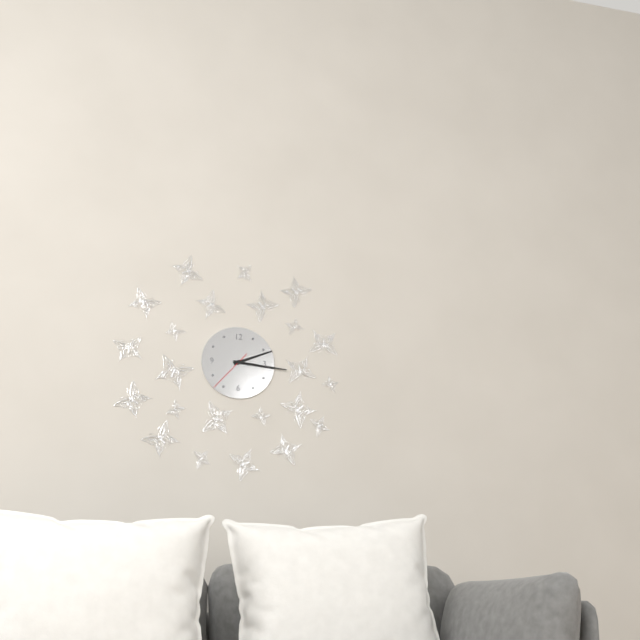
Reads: 2:16
